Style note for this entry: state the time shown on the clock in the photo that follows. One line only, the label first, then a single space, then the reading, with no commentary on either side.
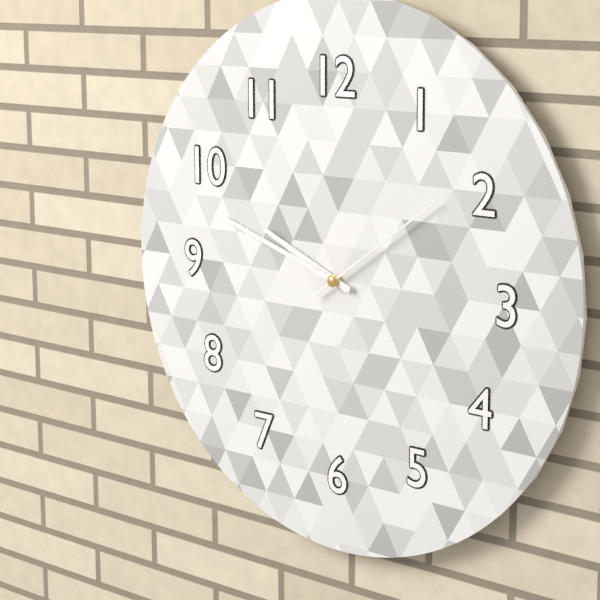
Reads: 9:48:09
